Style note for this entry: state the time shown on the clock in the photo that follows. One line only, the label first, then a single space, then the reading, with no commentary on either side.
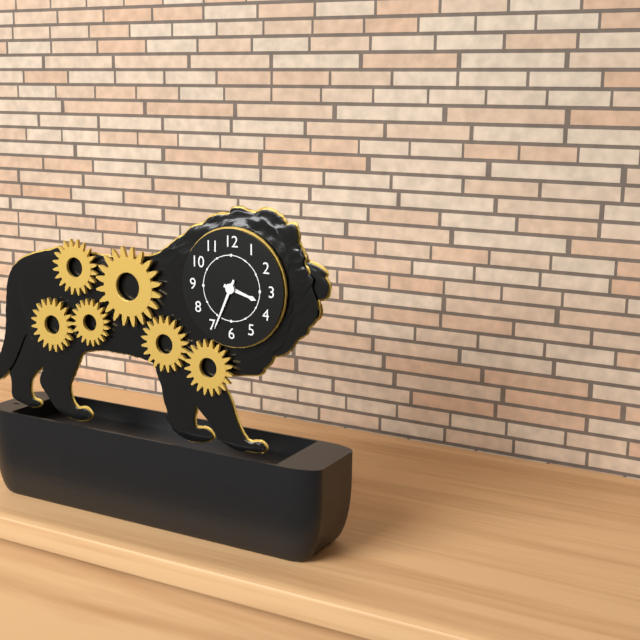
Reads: 3:34
